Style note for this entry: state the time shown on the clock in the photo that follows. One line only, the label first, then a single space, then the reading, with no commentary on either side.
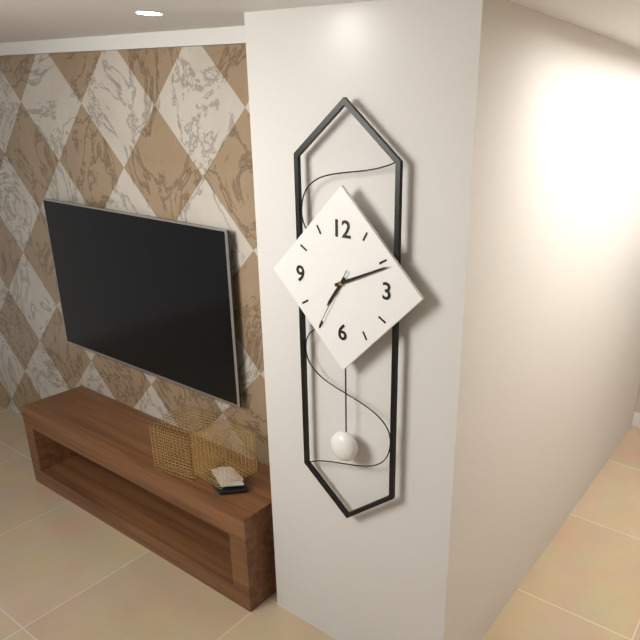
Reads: 7:11:35
